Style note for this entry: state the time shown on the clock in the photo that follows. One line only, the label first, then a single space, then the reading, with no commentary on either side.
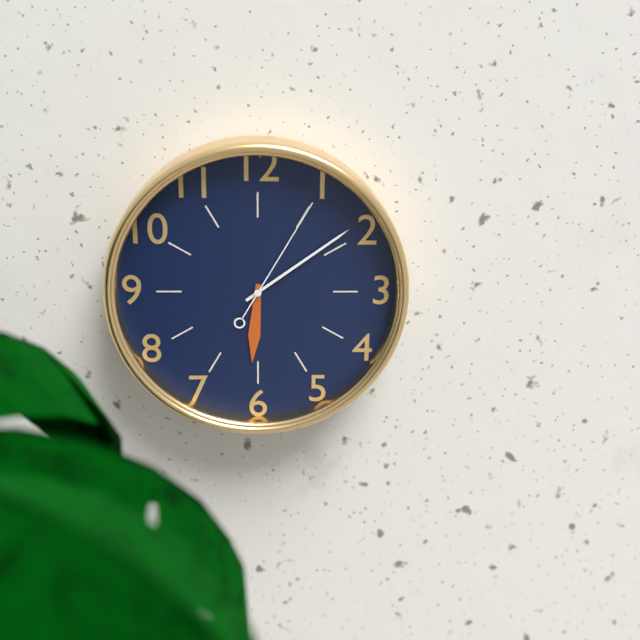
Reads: 6:09:05
